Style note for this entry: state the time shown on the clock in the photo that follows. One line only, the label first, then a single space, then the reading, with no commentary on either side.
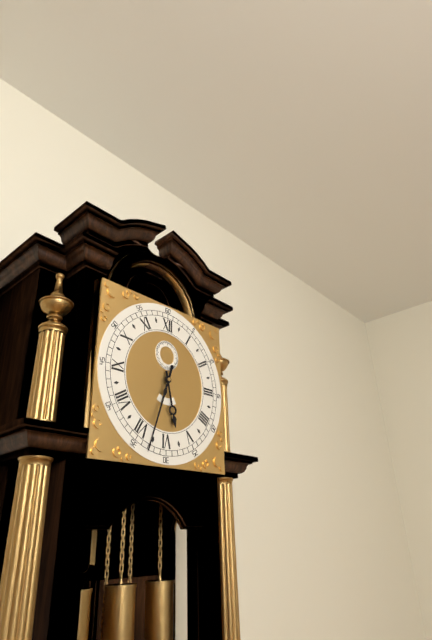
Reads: 5:33
